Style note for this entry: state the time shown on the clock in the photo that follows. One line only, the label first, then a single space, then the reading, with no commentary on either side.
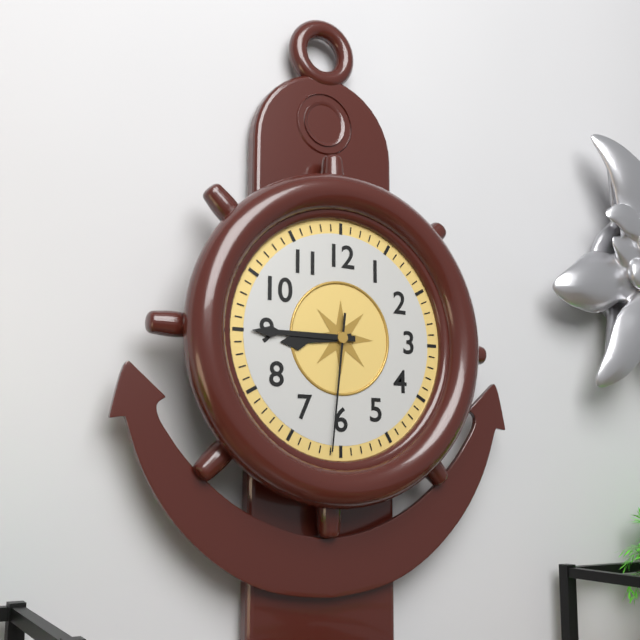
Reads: 8:45:31
